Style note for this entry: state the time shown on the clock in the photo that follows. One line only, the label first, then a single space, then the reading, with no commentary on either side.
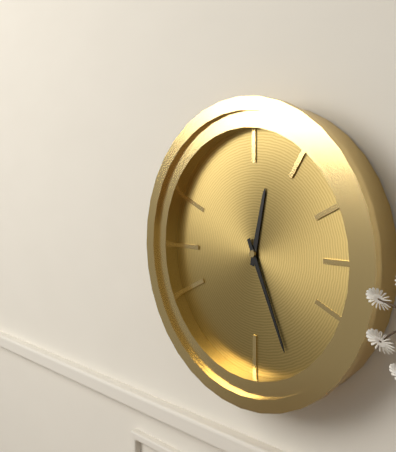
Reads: 12:26
